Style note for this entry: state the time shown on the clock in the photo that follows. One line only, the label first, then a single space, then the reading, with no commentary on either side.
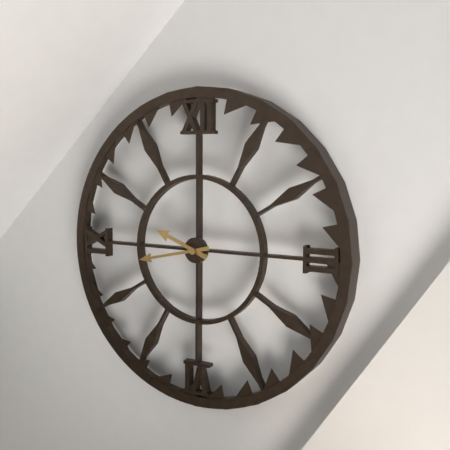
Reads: 9:43
